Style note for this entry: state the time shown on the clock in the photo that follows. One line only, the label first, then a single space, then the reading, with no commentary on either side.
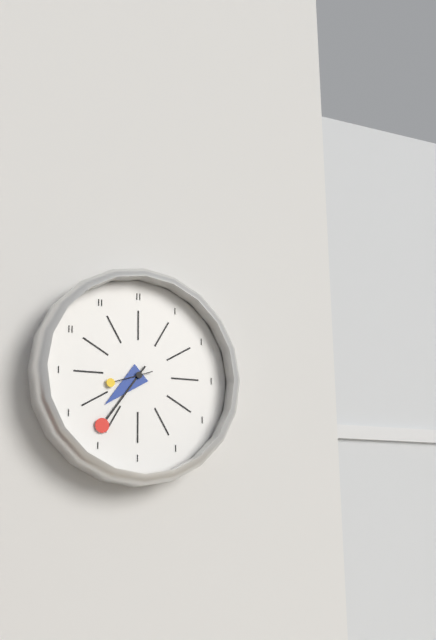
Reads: 7:36
